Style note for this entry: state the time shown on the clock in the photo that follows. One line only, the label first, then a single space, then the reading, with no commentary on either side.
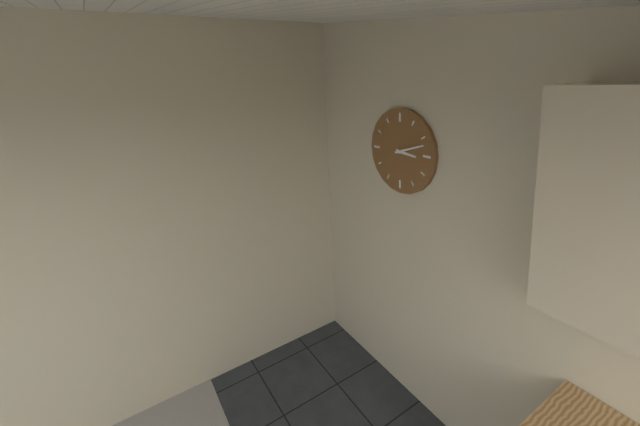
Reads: 3:12
